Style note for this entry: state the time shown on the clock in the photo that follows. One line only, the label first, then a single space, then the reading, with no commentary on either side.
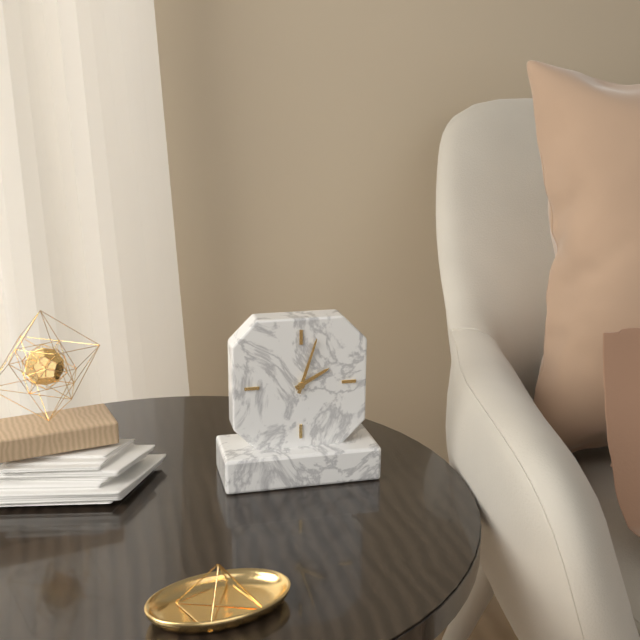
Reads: 2:03
